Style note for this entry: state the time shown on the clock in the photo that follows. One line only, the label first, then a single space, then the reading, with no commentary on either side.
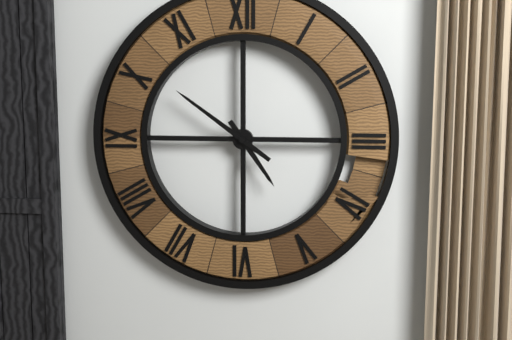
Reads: 4:51
